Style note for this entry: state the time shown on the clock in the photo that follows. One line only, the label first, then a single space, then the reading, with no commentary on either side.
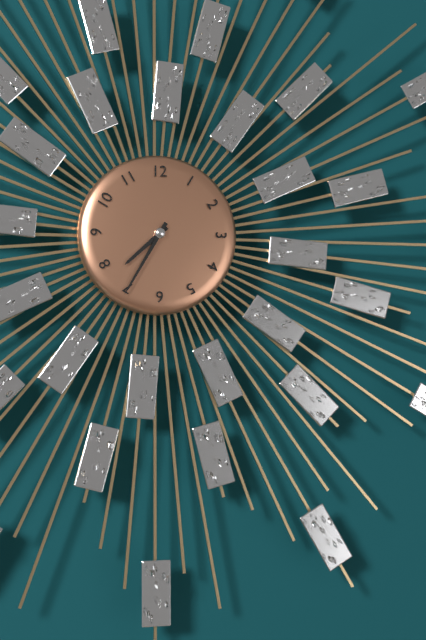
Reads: 7:35
